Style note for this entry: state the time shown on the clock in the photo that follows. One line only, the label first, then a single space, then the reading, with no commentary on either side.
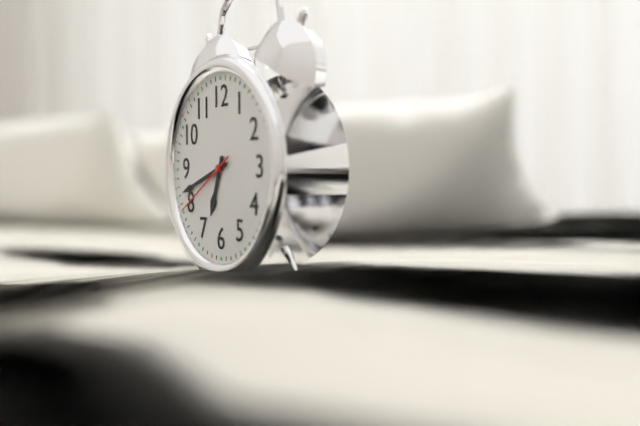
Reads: 6:42:40
